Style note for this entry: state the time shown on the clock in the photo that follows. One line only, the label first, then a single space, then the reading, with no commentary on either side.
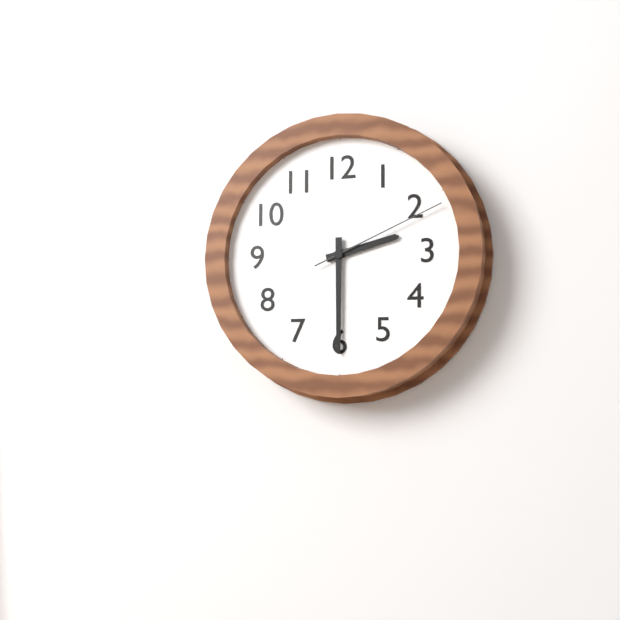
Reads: 2:30:11
